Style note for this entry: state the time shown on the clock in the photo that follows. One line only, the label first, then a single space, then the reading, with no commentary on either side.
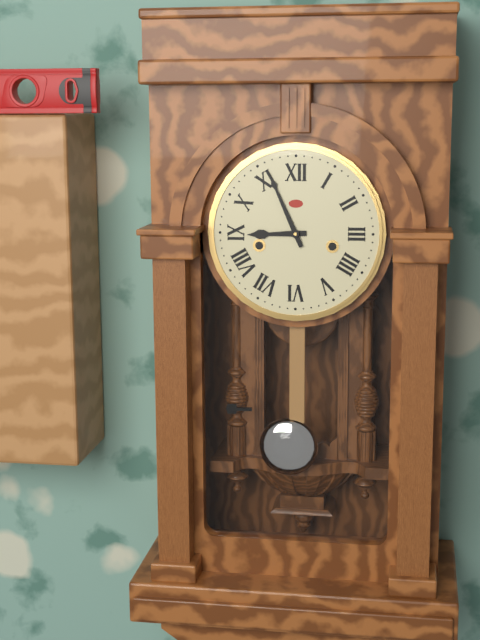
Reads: 8:56
